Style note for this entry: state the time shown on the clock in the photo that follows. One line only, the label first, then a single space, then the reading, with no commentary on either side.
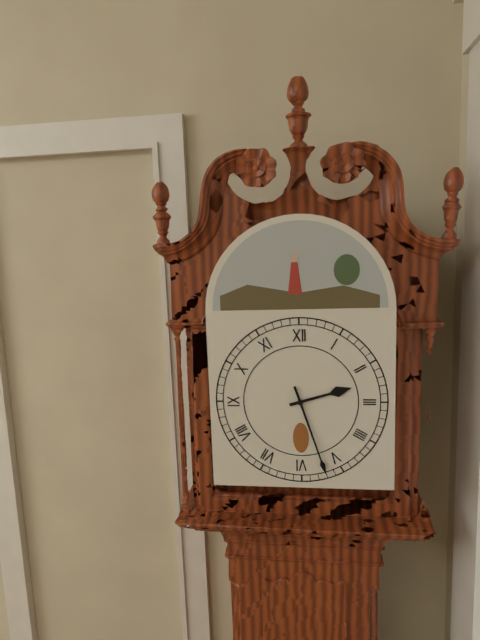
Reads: 2:27
